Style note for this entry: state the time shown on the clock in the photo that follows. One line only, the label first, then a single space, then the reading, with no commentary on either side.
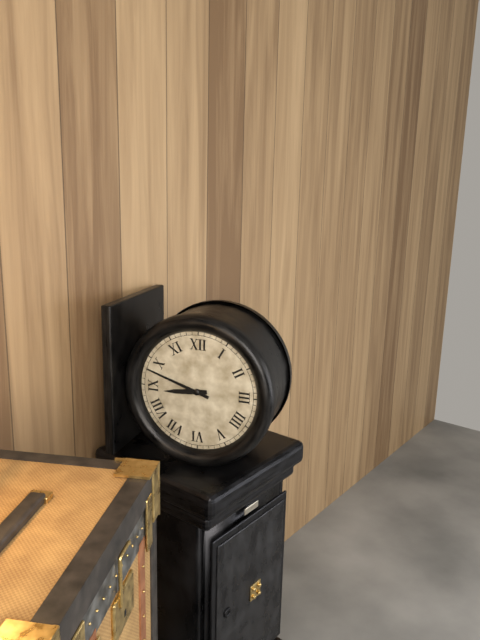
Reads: 8:48
